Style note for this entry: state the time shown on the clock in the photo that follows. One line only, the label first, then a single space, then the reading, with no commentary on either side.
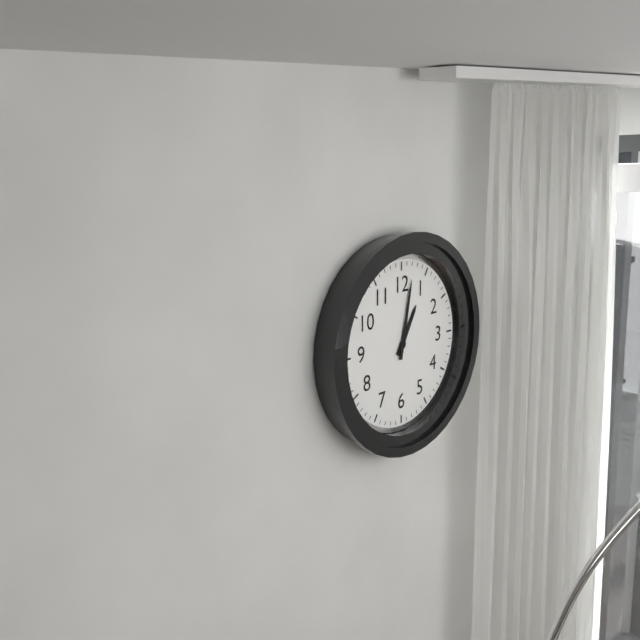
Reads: 1:02
